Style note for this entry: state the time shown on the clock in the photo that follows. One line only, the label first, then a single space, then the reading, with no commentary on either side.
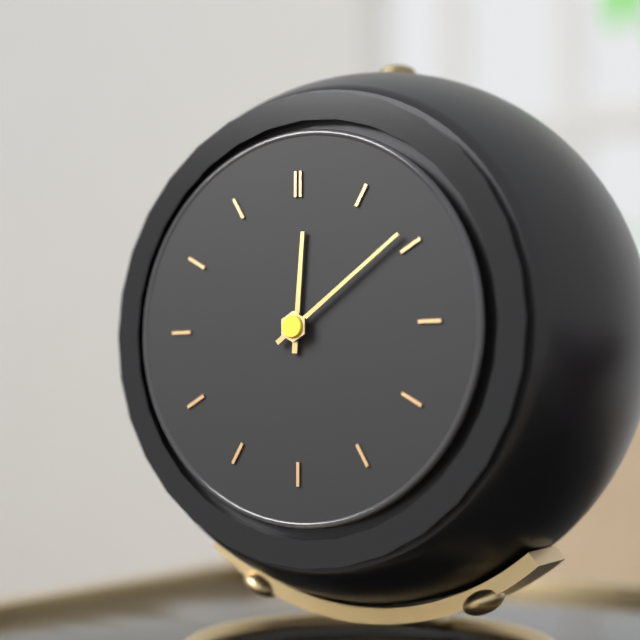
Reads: 12:09
